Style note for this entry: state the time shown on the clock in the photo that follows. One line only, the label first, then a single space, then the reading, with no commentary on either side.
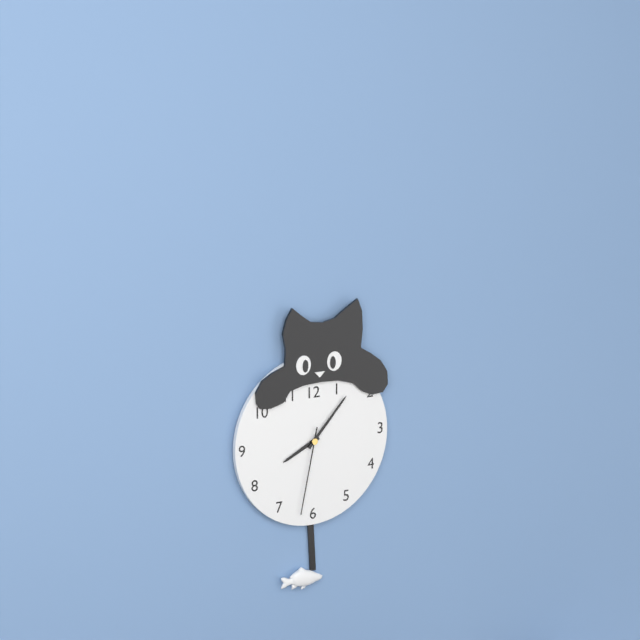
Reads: 8:07:32
